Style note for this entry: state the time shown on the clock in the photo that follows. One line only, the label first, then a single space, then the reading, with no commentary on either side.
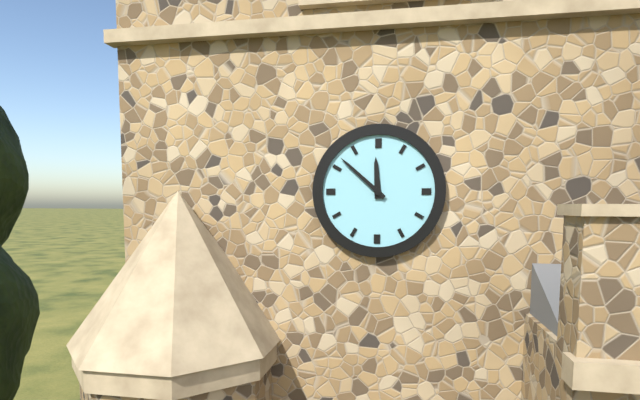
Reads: 11:52
